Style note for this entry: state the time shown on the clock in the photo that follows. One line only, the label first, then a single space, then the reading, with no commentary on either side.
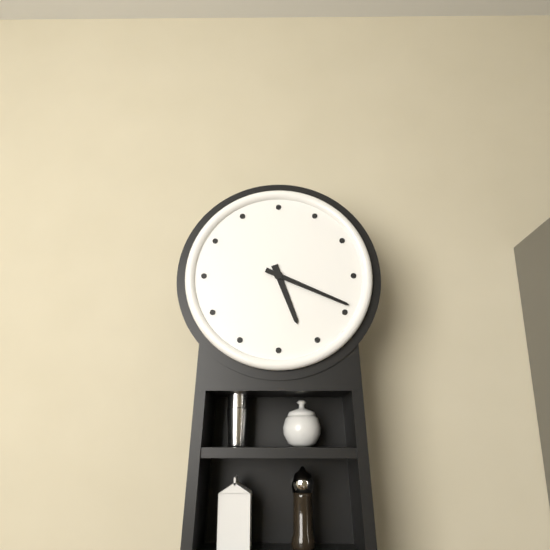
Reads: 5:19
